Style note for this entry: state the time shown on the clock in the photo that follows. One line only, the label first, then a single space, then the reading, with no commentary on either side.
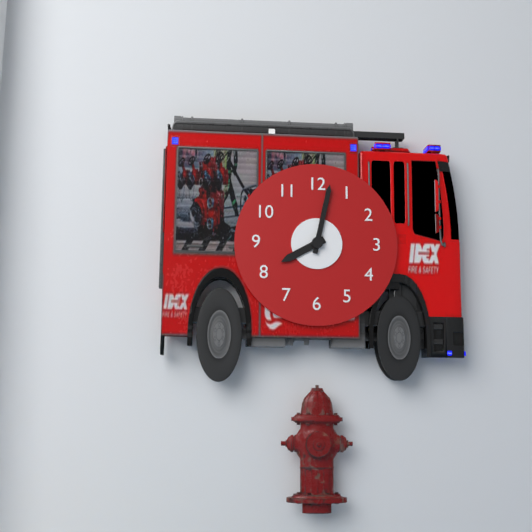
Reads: 8:02
